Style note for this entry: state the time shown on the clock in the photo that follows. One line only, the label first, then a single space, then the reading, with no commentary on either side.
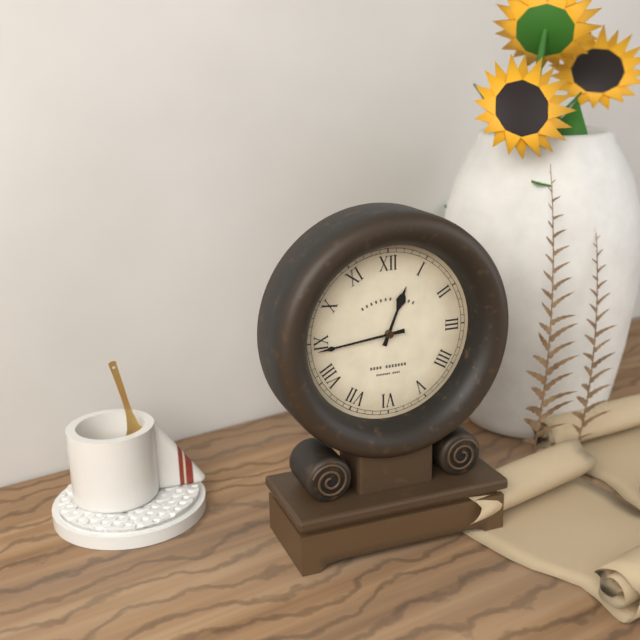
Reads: 12:44
